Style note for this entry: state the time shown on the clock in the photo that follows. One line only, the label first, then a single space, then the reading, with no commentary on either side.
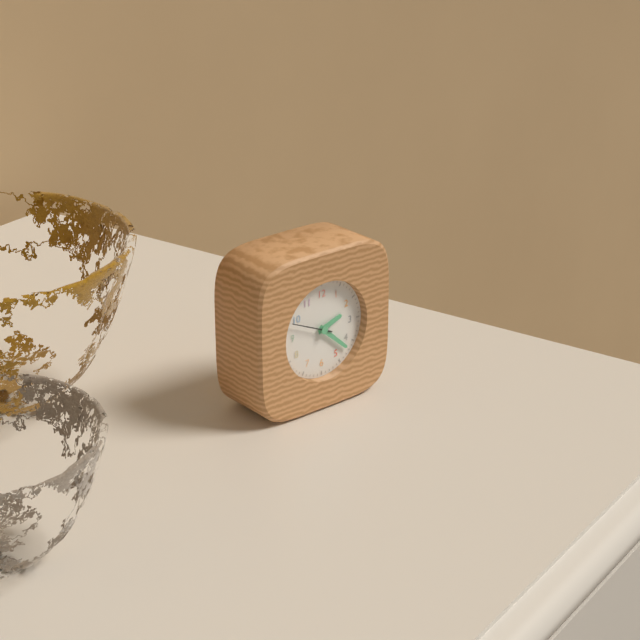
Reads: 2:22
